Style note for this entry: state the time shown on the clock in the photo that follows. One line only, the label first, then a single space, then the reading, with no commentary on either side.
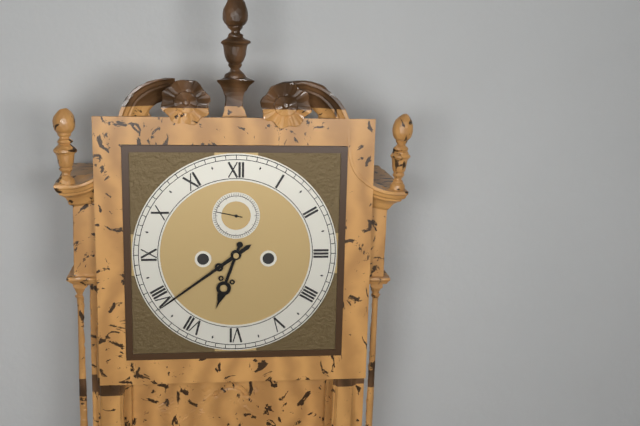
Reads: 6:39
